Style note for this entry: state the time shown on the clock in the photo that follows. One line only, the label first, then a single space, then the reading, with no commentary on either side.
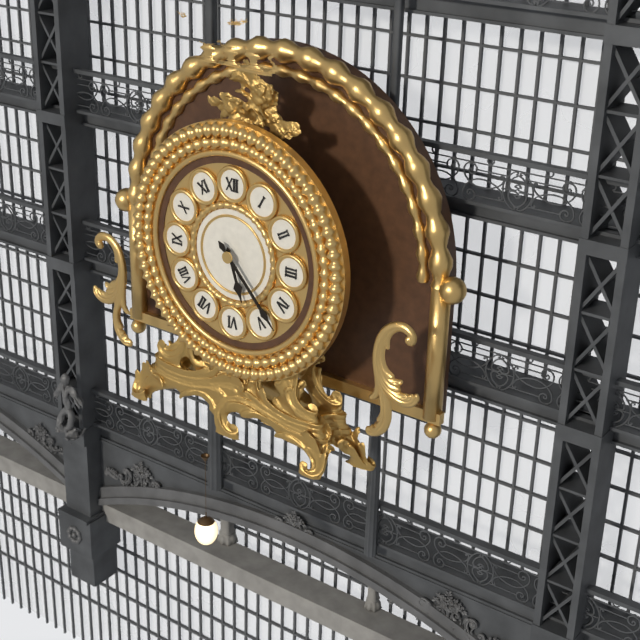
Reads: 5:23
